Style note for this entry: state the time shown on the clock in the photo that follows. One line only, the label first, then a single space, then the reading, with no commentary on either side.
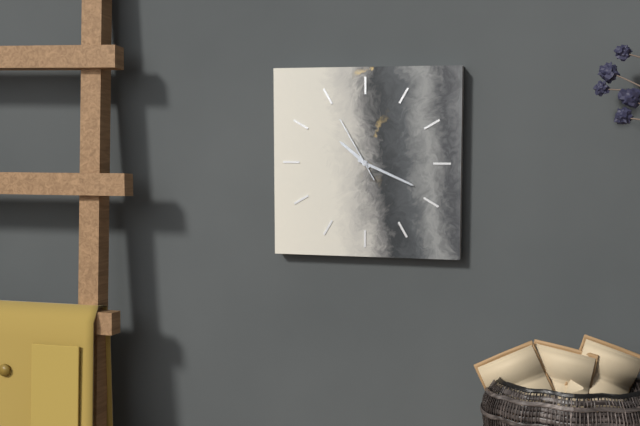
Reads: 10:19:55
